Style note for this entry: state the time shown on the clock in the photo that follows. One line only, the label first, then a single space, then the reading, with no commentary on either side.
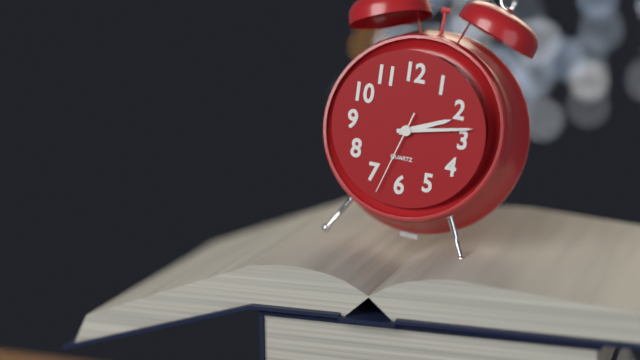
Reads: 2:13:33
